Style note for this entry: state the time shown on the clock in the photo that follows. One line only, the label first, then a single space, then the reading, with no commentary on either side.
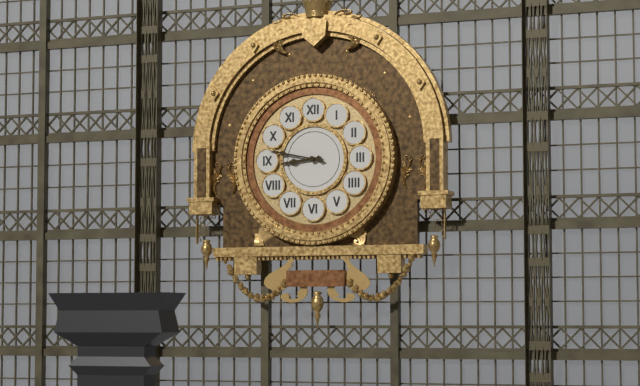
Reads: 8:47
